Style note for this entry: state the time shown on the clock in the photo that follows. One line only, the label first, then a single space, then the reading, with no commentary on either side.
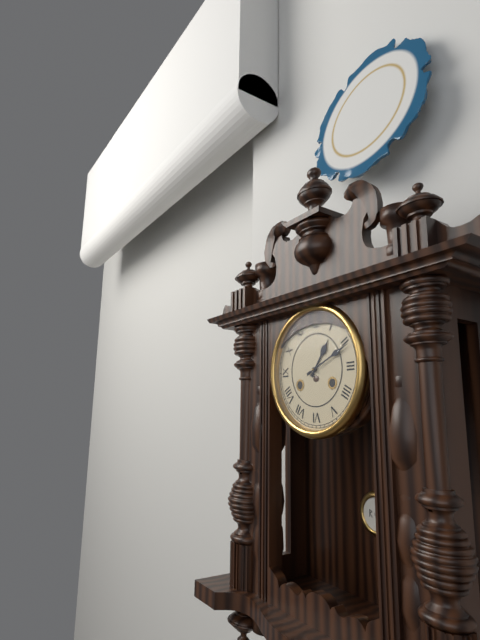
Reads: 1:11
